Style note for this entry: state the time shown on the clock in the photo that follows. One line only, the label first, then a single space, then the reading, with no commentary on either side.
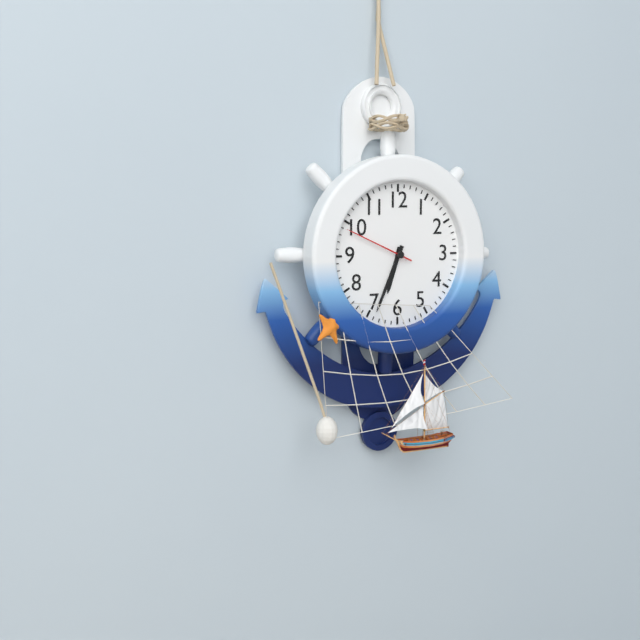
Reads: 6:34
